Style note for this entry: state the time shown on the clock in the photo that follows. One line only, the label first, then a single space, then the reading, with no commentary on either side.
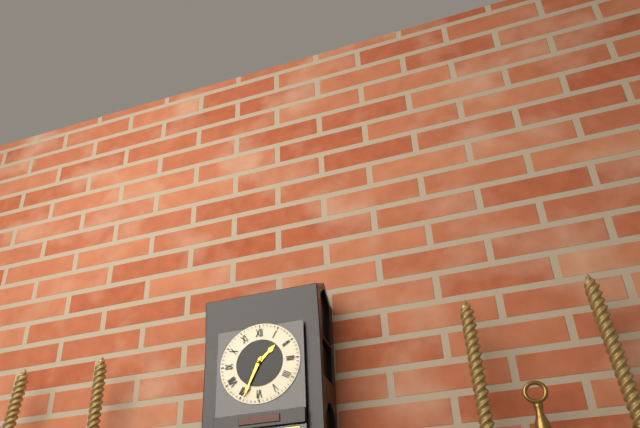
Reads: 1:34
